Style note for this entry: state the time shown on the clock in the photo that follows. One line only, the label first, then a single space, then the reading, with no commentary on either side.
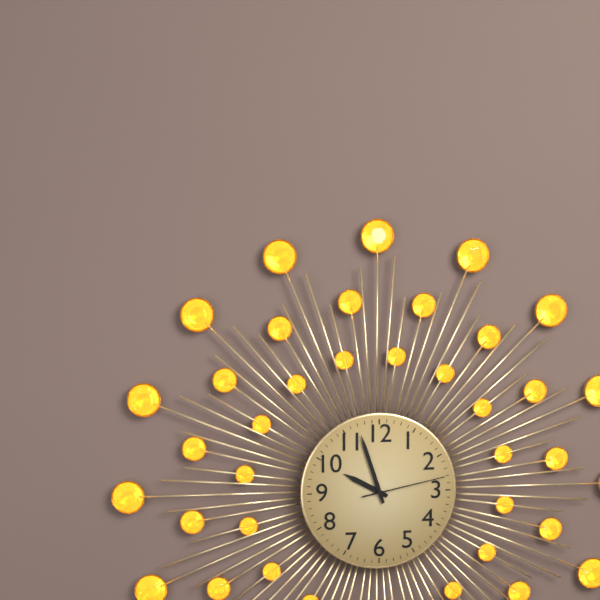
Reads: 9:57:13
